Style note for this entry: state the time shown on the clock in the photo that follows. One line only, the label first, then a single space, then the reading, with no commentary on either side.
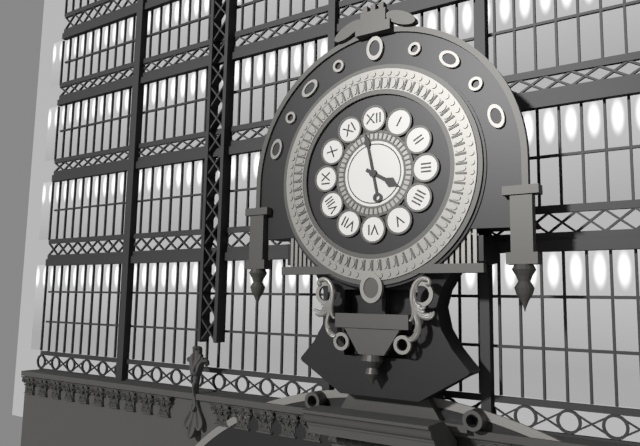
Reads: 3:58
